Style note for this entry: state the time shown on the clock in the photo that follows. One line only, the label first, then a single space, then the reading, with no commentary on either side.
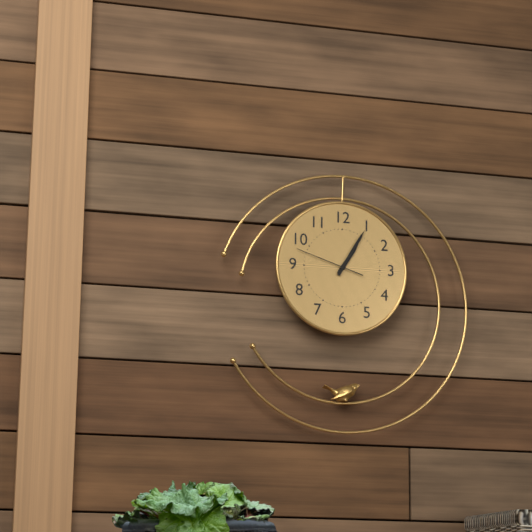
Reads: 1:05:48
